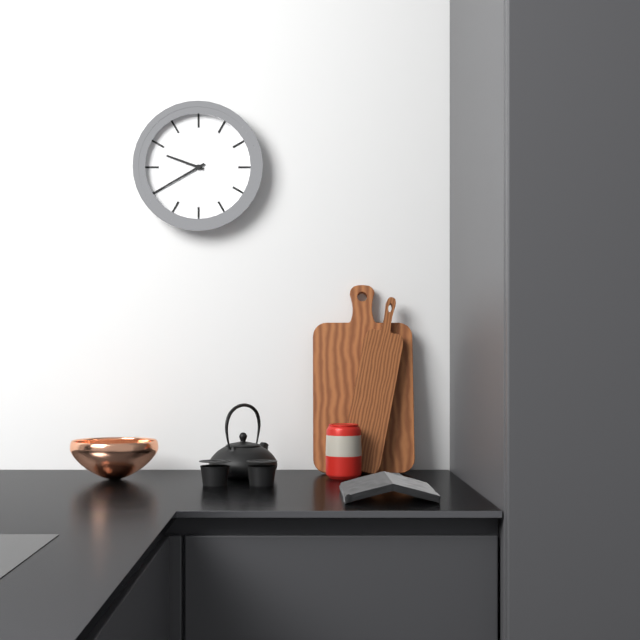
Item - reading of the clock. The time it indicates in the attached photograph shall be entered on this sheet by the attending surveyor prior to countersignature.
9:40
